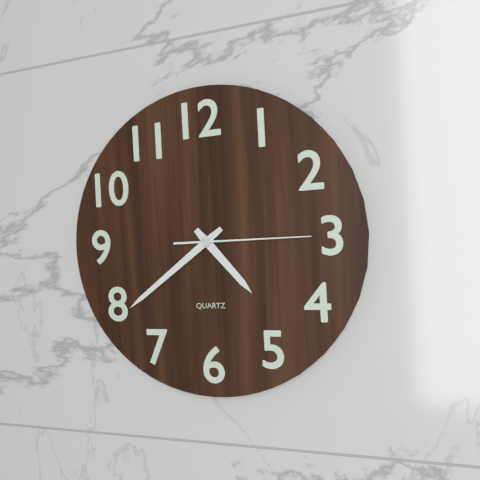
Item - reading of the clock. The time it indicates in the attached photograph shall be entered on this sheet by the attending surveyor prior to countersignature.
4:39:15
